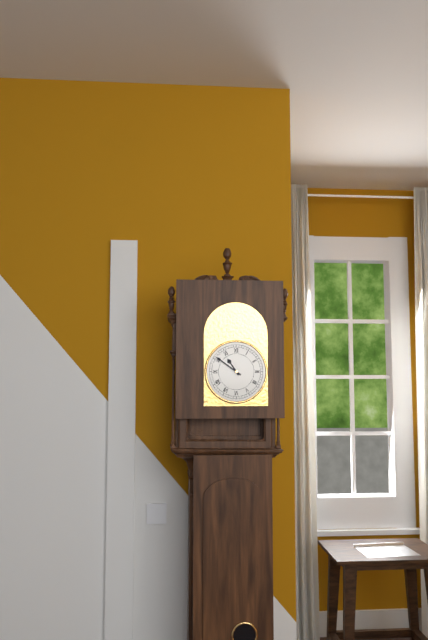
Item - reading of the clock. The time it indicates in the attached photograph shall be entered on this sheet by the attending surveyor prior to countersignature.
10:51
